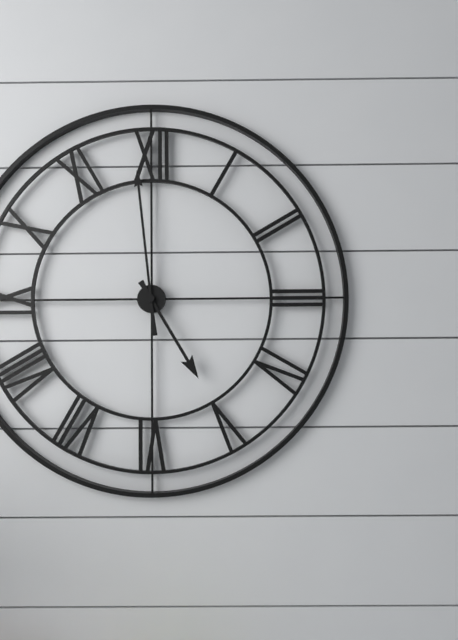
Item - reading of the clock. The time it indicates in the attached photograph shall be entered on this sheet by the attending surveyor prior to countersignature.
4:59
